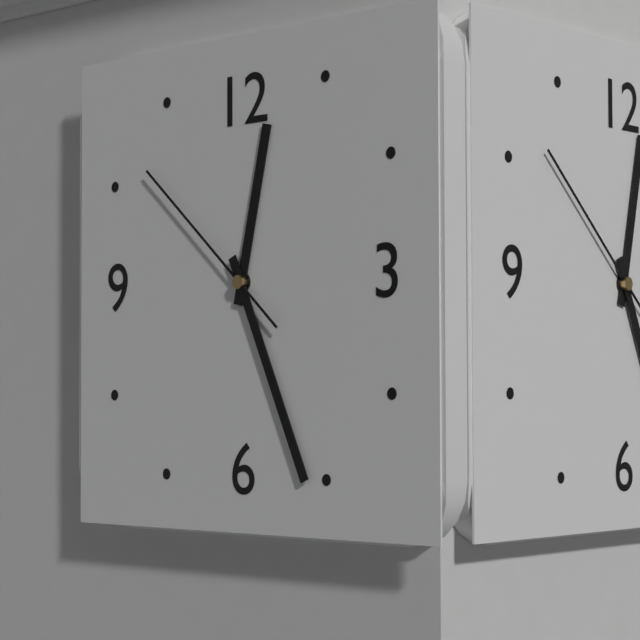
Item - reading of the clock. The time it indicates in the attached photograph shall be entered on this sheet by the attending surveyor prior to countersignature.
12:26:52
